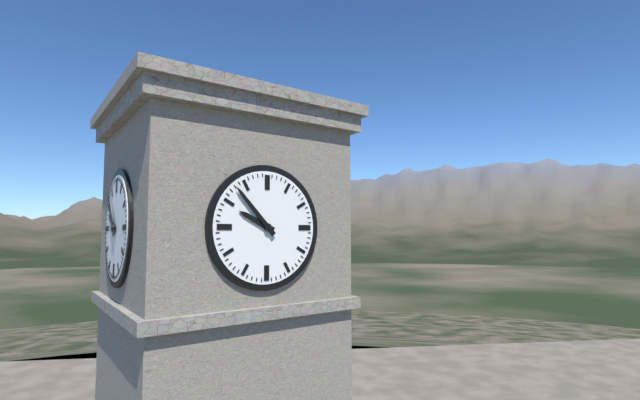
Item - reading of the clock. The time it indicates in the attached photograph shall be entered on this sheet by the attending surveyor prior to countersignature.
9:53
